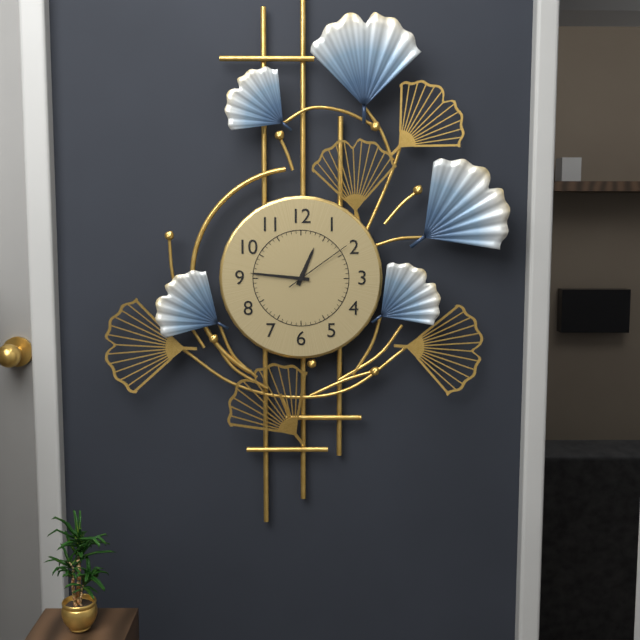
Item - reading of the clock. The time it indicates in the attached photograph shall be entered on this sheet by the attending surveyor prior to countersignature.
12:46:09
